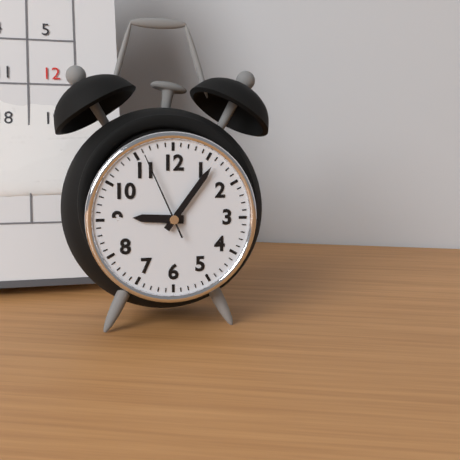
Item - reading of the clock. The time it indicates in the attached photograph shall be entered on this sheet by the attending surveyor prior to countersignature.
9:06:56
